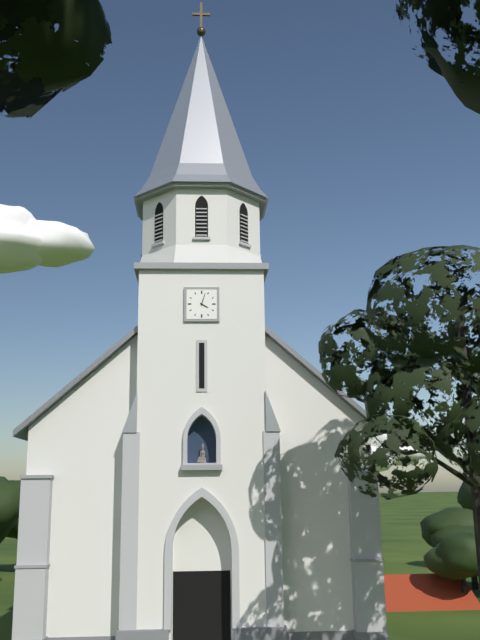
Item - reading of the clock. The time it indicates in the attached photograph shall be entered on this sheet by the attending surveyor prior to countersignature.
4:03
